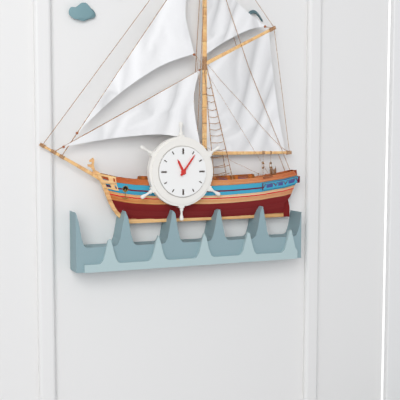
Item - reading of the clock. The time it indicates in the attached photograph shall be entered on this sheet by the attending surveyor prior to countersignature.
11:06
